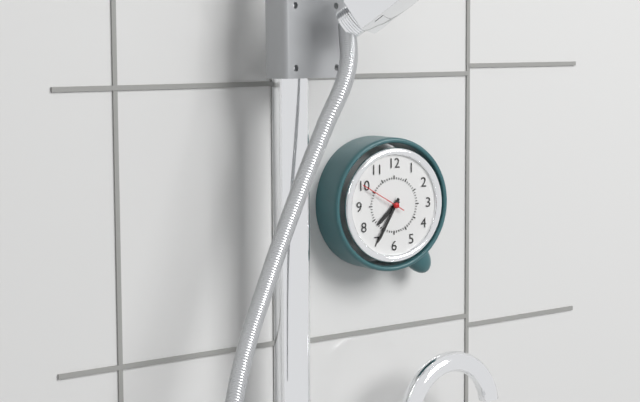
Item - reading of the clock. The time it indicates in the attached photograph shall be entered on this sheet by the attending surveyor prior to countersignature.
7:35
